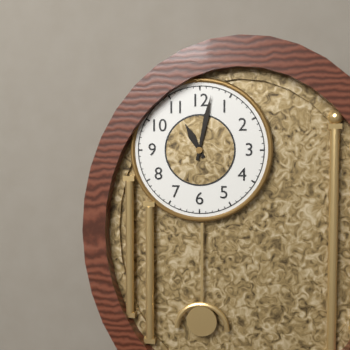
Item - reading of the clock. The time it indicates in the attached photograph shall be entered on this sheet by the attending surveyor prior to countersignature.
11:02
